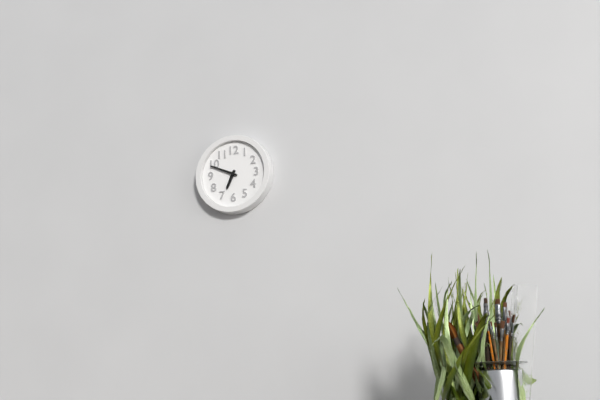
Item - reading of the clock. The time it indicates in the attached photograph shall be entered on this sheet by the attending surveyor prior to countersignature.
6:49
